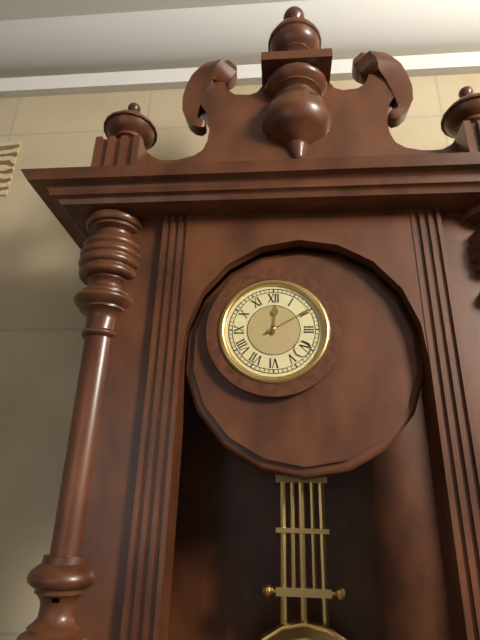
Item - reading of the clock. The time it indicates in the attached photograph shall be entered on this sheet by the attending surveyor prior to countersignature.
12:10
